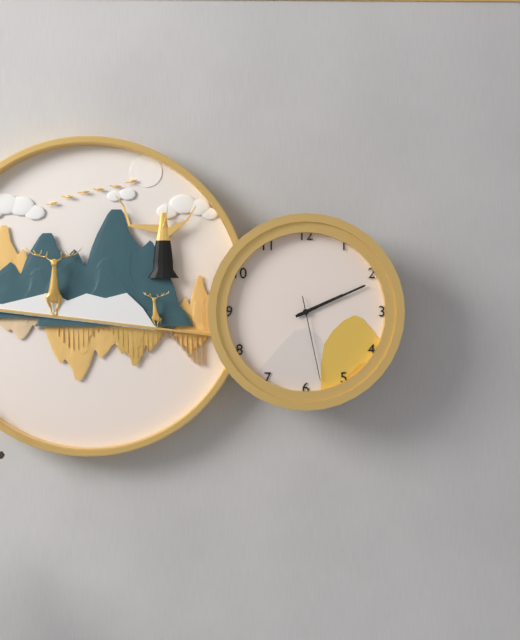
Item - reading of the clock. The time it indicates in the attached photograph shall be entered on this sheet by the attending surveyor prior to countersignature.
2:11:28
